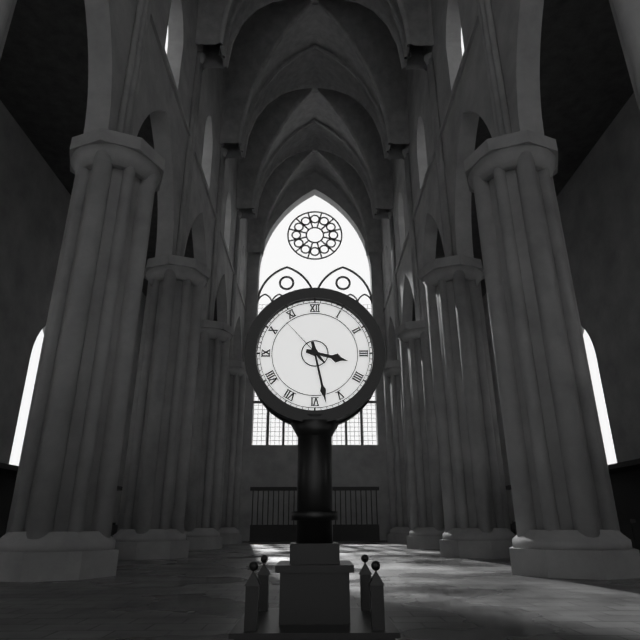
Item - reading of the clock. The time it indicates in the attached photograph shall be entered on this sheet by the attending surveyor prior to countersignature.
3:28:53
